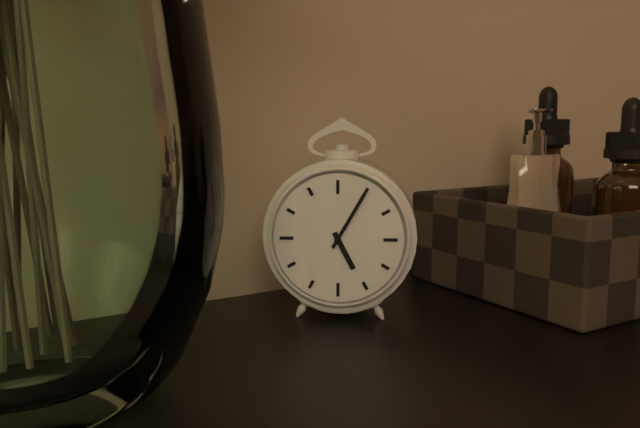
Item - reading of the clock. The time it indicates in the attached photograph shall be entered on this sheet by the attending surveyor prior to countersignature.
5:05
